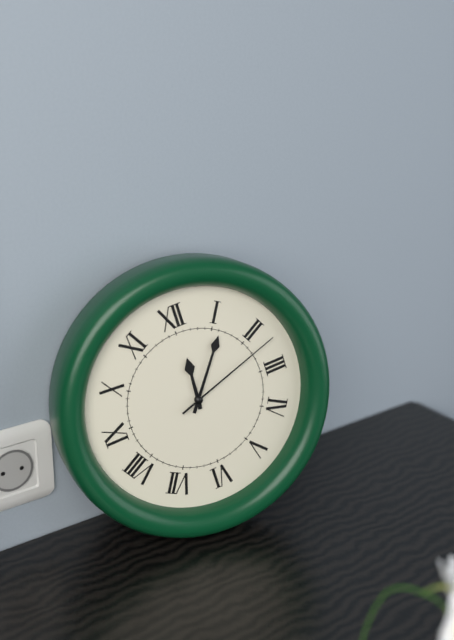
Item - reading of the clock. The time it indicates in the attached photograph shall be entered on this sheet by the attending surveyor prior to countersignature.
12:06:12
